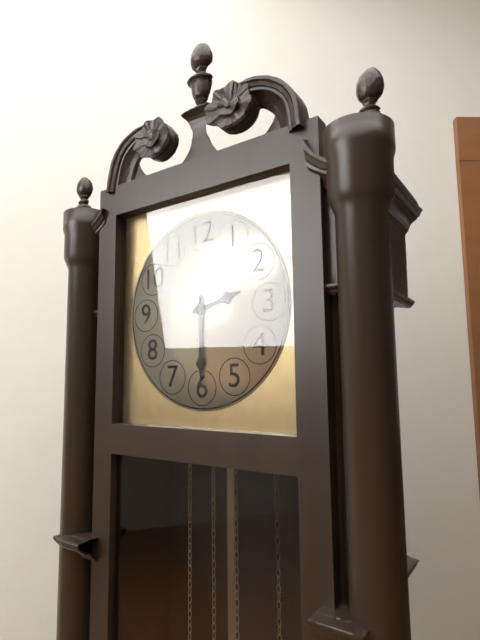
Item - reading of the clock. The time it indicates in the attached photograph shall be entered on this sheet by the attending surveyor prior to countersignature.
2:30
